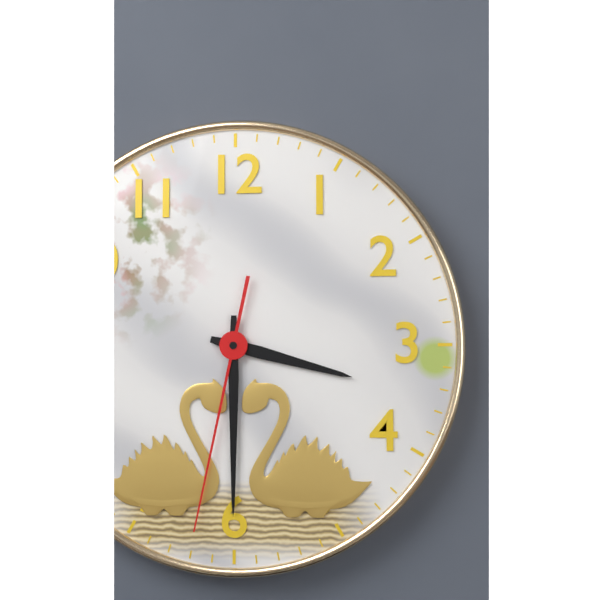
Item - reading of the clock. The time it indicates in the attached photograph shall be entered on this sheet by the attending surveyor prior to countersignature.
3:30:32
